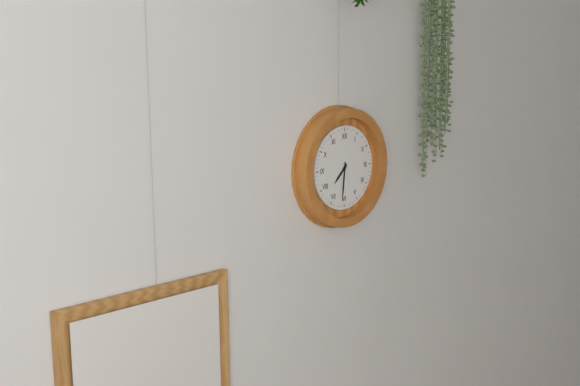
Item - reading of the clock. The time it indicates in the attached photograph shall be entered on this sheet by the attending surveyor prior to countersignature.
7:31
